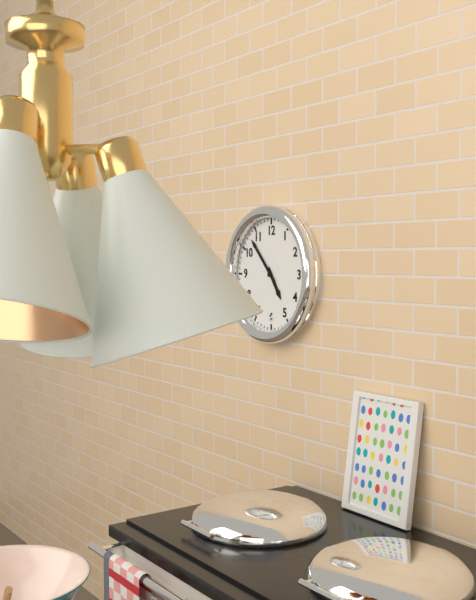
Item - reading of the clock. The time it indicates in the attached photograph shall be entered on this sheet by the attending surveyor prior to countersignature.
4:53
